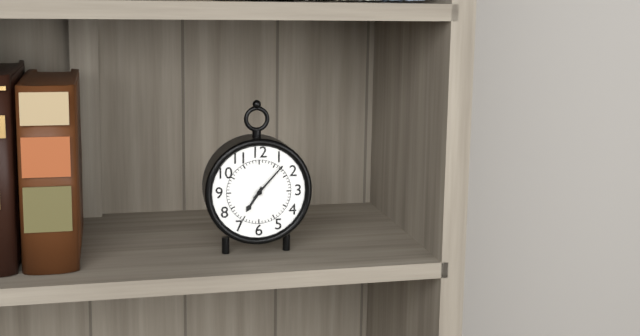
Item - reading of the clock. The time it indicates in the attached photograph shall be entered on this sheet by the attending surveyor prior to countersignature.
7:07
